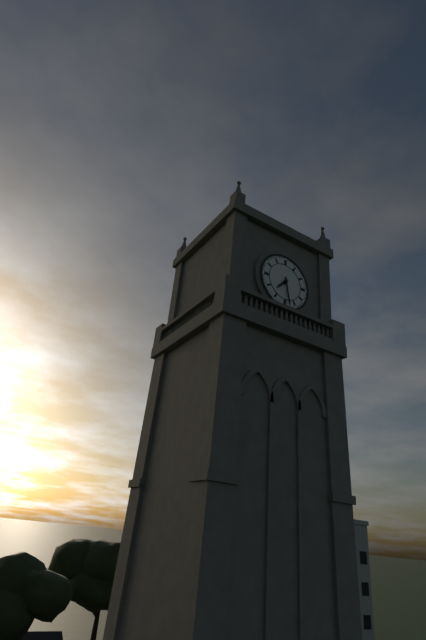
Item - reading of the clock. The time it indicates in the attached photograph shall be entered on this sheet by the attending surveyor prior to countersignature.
7:28
